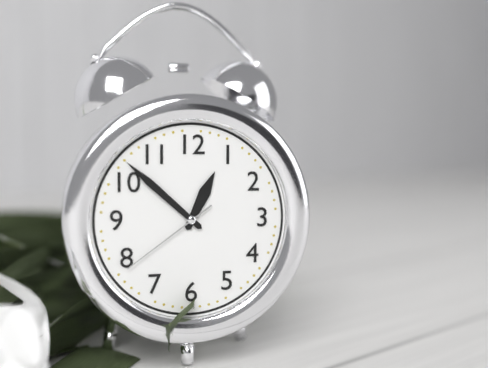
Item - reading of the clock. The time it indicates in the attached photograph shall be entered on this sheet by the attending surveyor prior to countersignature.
12:52:39
